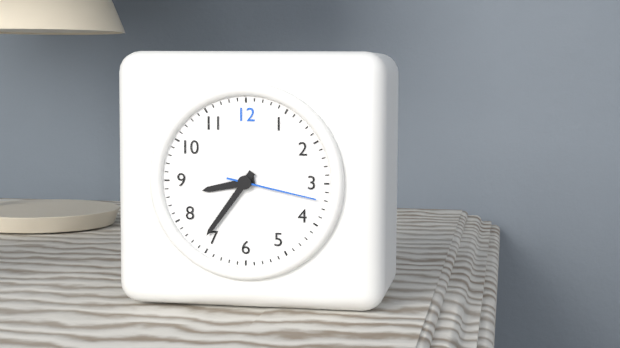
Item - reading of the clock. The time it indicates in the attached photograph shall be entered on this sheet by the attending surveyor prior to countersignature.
8:36:17
